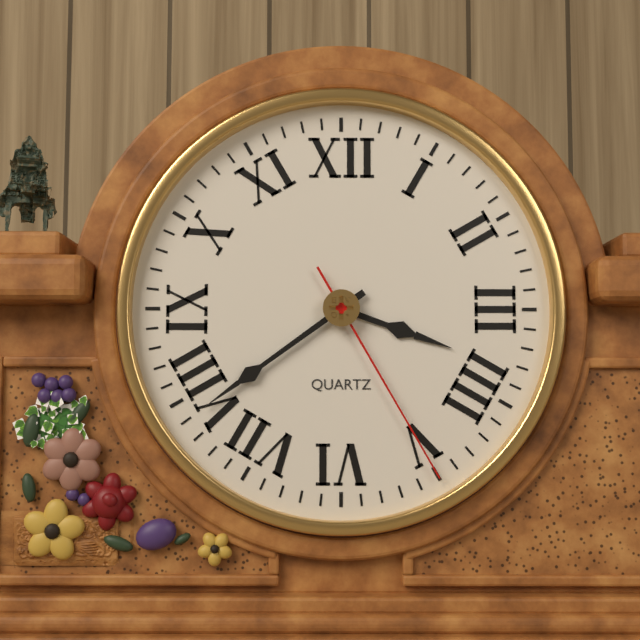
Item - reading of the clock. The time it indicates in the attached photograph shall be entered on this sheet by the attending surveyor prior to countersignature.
3:39:25
